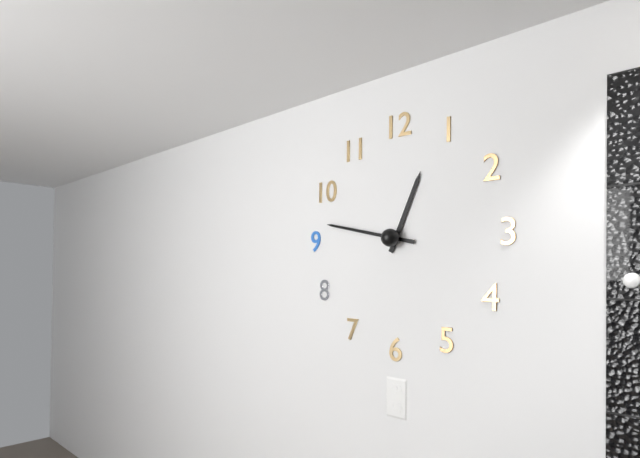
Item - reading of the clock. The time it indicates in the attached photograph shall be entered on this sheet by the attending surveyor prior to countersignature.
12:47
